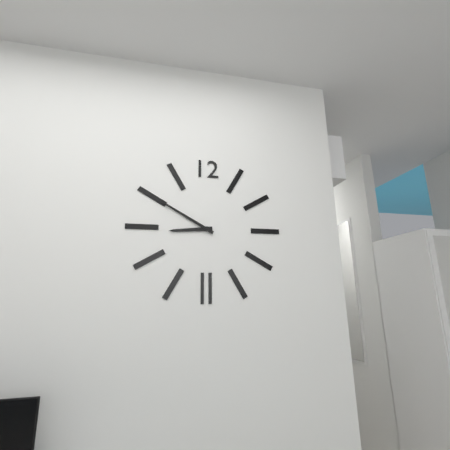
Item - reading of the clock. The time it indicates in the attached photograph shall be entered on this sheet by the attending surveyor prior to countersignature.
8:50
